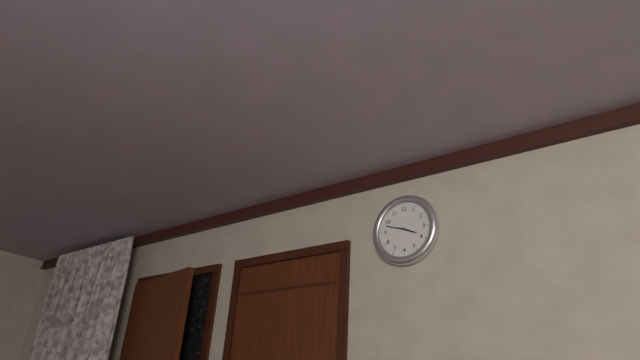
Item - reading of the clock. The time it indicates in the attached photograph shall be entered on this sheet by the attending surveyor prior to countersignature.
3:48
